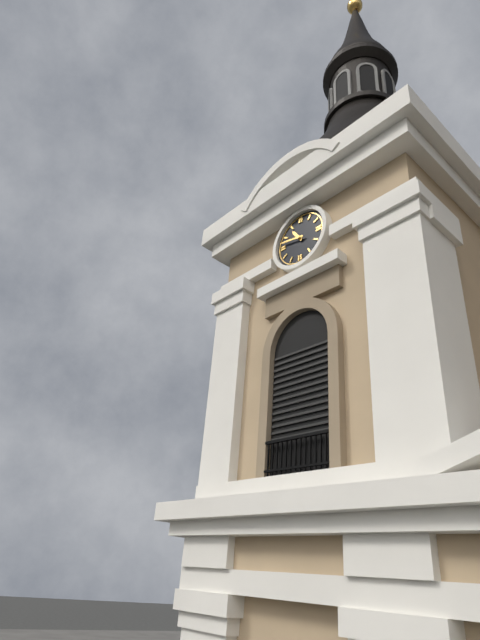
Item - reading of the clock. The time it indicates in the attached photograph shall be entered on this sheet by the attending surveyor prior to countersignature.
10:47
